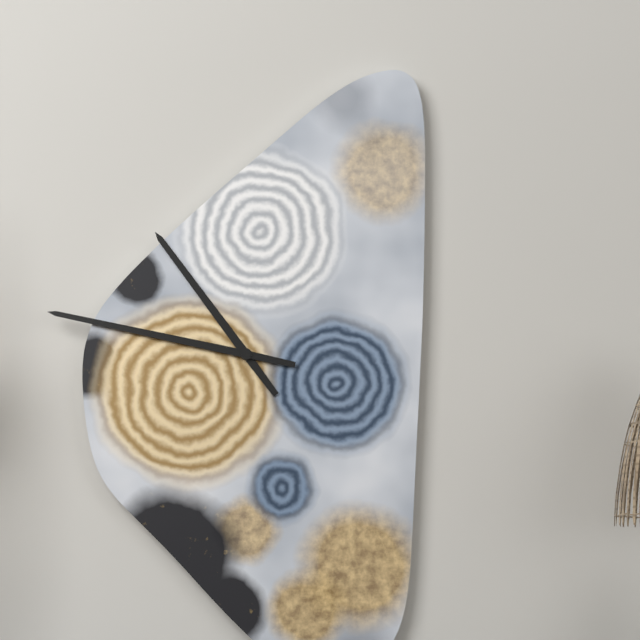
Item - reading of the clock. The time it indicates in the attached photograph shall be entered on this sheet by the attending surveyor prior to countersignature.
10:47
